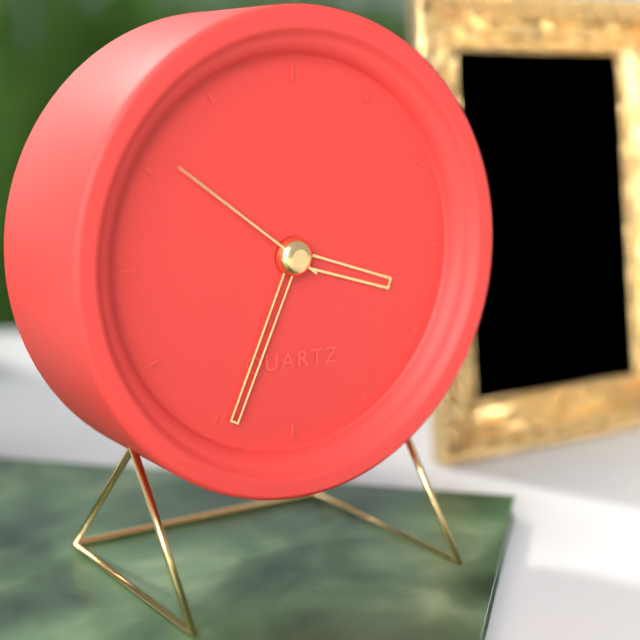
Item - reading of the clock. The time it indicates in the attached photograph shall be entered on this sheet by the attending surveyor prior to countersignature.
3:34:51
